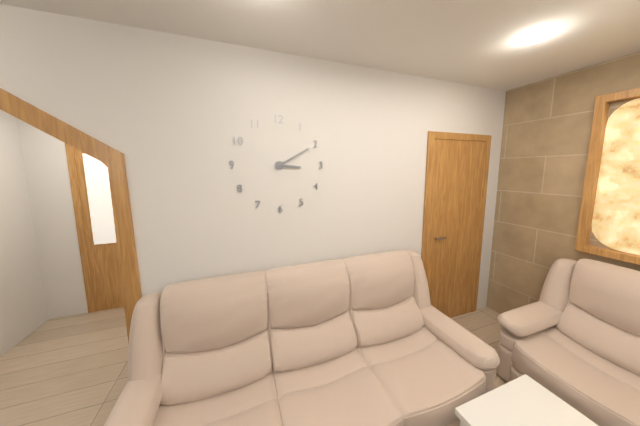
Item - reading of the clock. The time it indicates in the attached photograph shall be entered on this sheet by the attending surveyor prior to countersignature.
3:10
